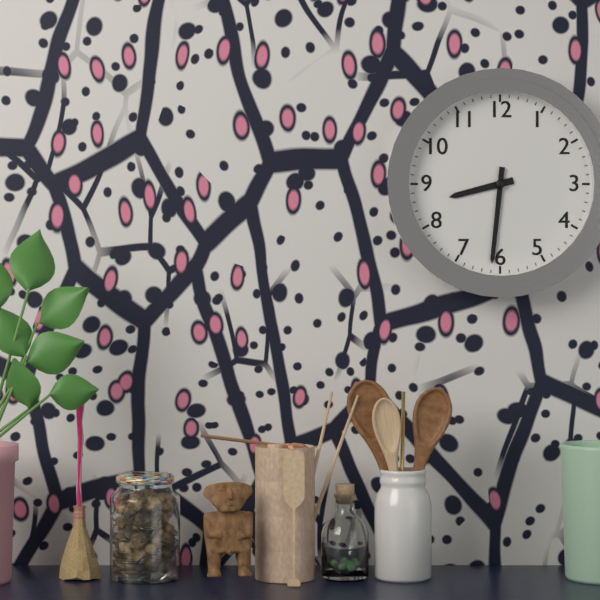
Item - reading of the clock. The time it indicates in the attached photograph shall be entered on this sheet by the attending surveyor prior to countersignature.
8:31
